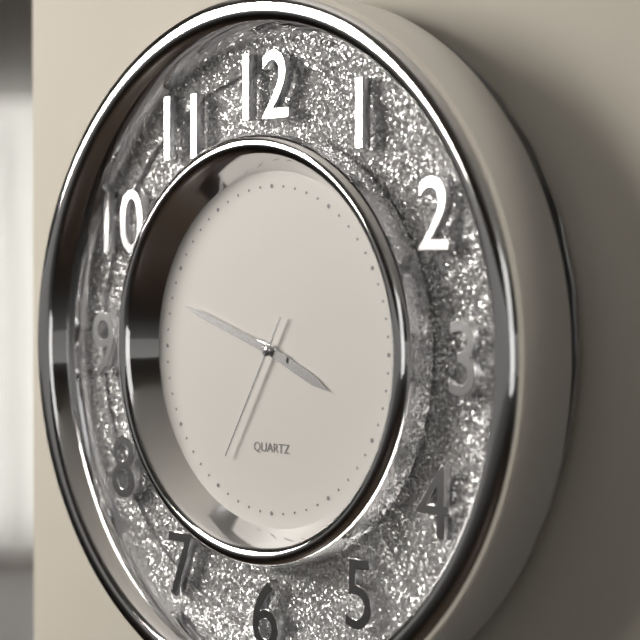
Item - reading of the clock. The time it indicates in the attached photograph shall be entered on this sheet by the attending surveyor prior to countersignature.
3:48:35
